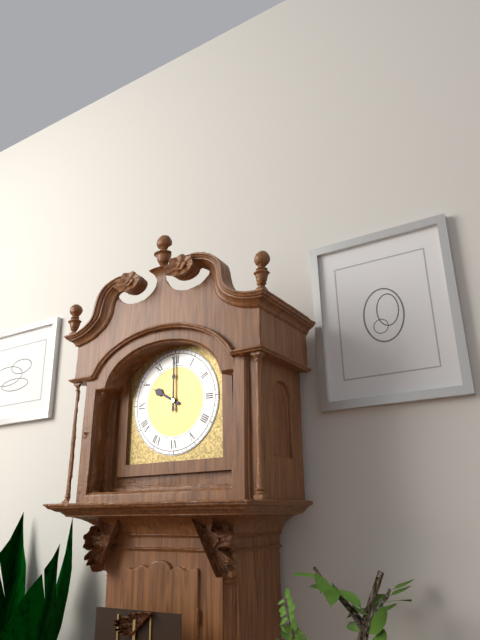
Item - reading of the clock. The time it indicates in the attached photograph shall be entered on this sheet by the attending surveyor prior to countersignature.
10:00
